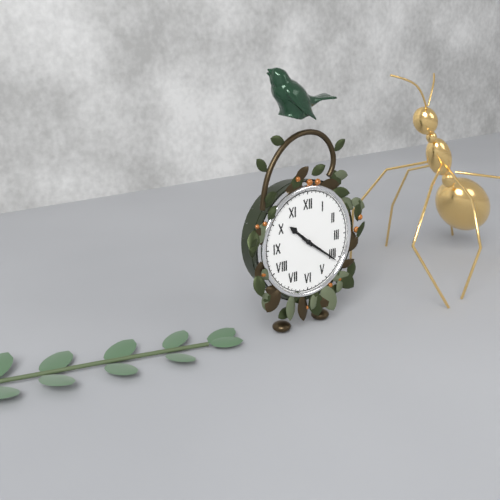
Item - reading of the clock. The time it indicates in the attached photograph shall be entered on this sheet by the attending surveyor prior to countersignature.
10:21
